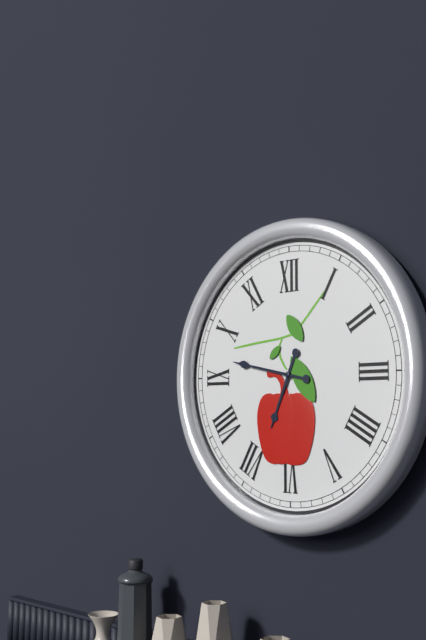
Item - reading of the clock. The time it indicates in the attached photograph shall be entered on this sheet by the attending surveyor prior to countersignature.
6:47
